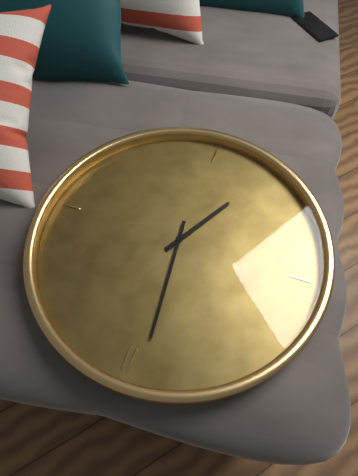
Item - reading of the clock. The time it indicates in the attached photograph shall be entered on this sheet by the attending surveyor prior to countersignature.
6:59
